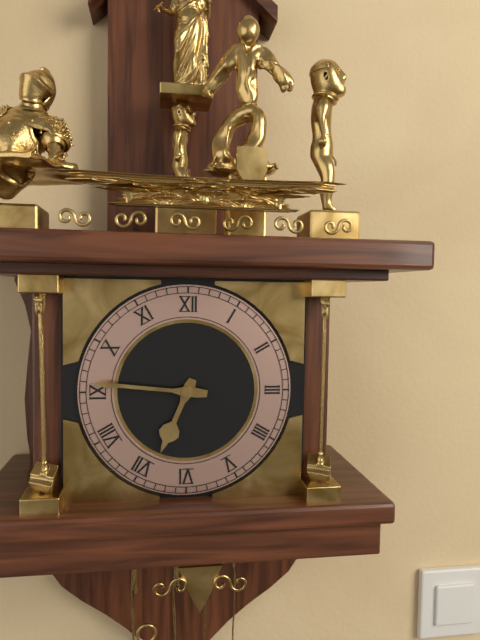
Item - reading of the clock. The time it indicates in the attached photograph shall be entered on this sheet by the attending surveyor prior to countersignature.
6:46
